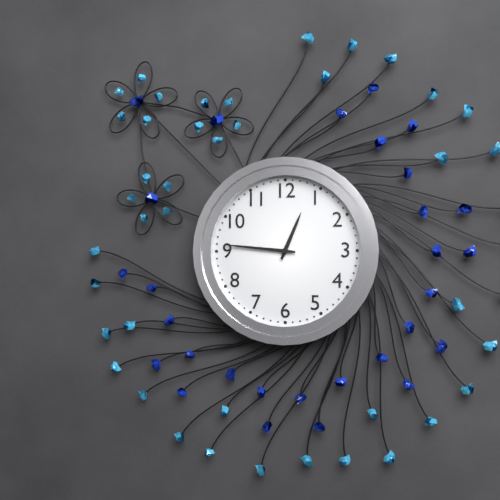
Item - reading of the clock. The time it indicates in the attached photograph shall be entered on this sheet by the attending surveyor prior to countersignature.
12:46
